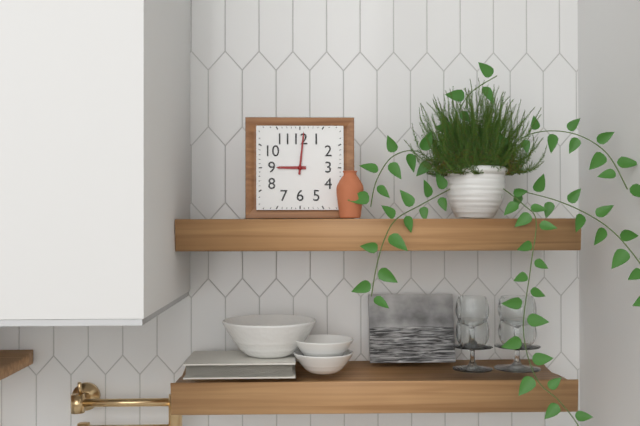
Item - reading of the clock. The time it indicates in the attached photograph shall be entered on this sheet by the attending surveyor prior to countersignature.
9:01
